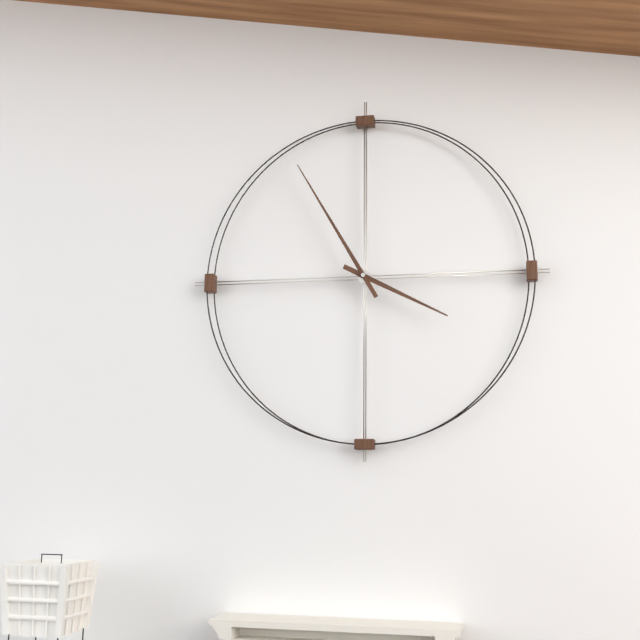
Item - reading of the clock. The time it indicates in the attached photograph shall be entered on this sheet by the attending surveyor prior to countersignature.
3:55
